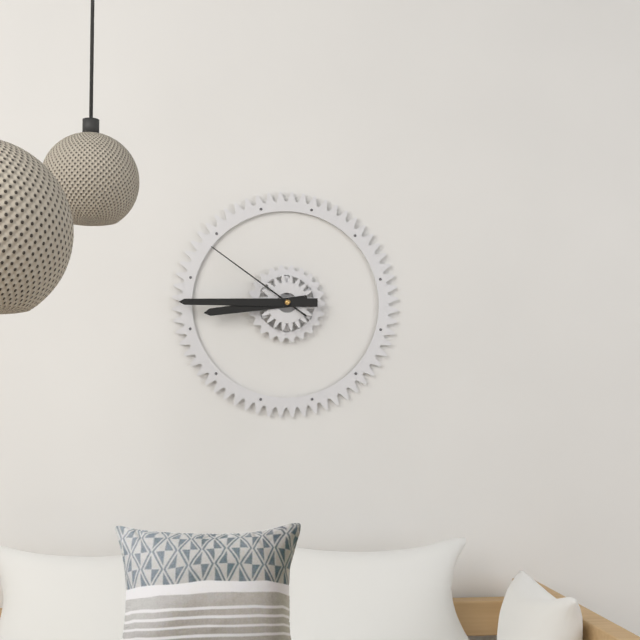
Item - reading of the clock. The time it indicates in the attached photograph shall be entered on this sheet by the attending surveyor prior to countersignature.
8:45:51
